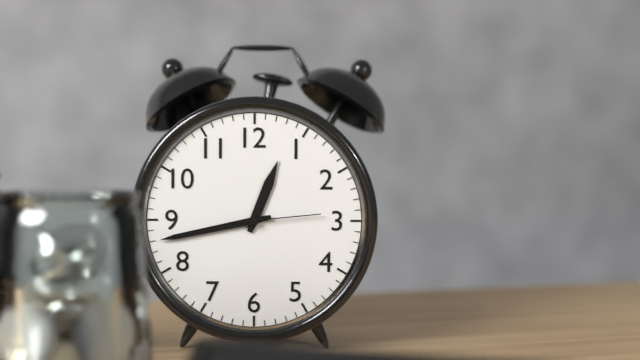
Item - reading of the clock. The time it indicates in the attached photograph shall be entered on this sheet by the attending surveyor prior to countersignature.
12:43:14
